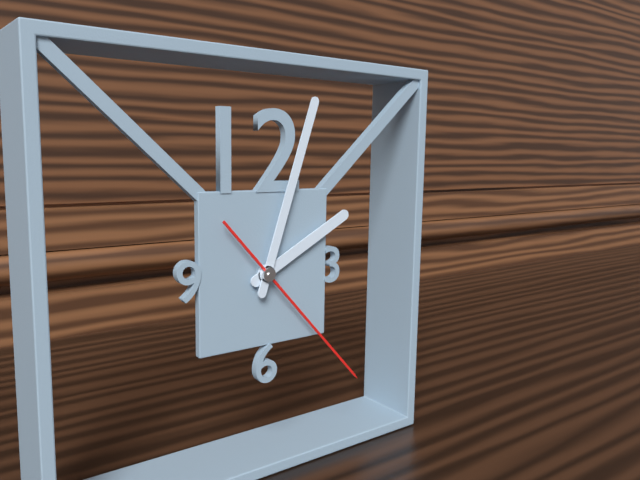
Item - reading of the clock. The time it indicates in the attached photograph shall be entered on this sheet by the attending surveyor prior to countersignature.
2:03:23
